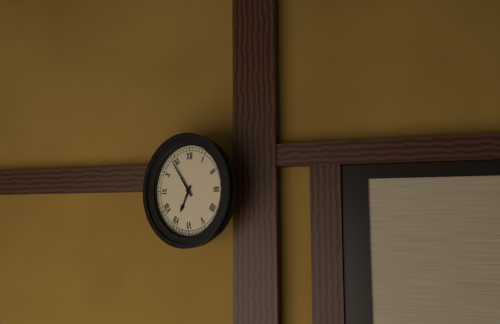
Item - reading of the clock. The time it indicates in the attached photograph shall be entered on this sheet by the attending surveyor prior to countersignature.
6:54
